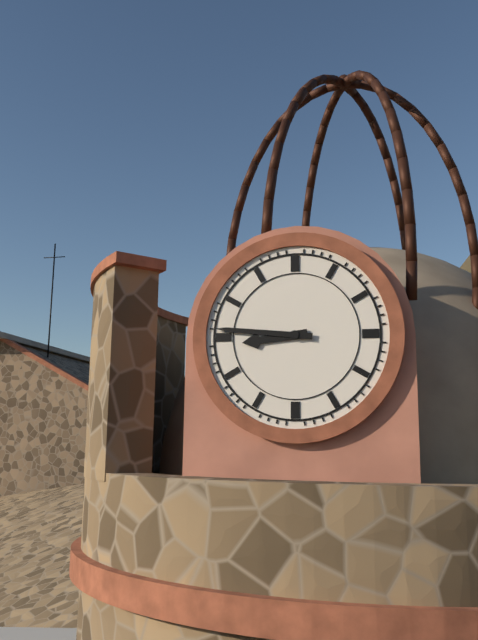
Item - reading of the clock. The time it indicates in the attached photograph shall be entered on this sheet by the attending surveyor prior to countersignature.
8:46
